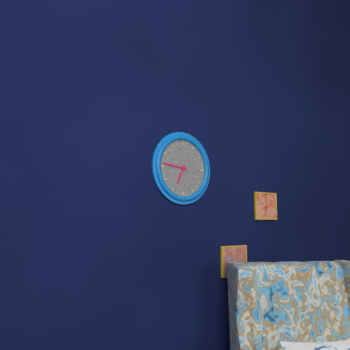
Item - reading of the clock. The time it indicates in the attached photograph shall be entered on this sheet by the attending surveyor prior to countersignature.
6:46
